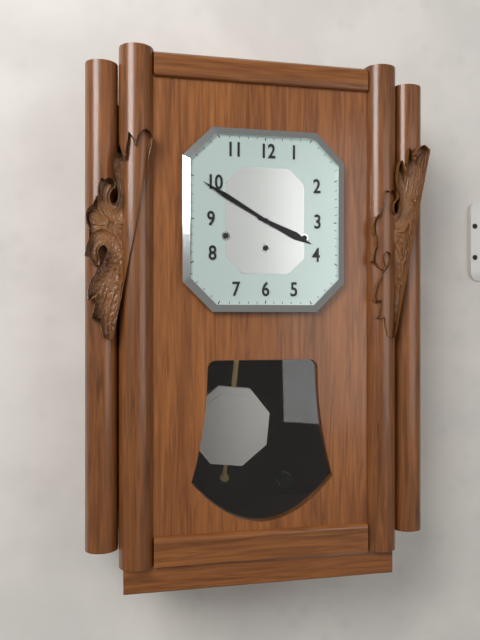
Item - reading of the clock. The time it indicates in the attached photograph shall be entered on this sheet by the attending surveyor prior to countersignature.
3:50
